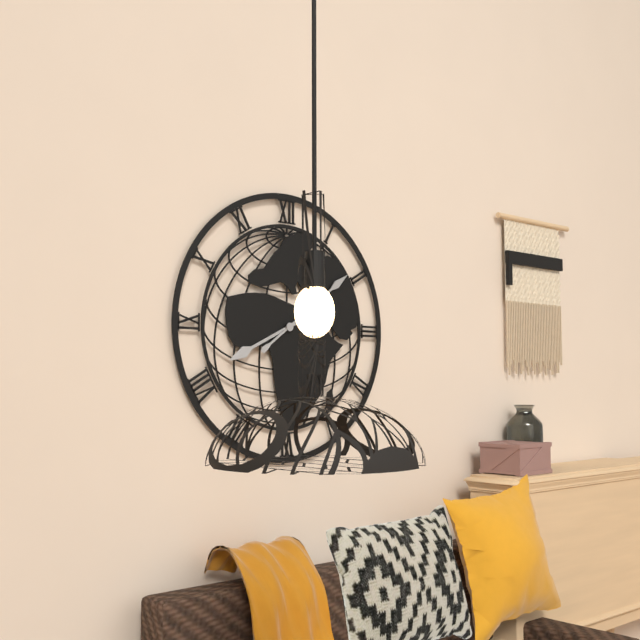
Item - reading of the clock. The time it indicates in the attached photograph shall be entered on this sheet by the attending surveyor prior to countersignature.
8:09
